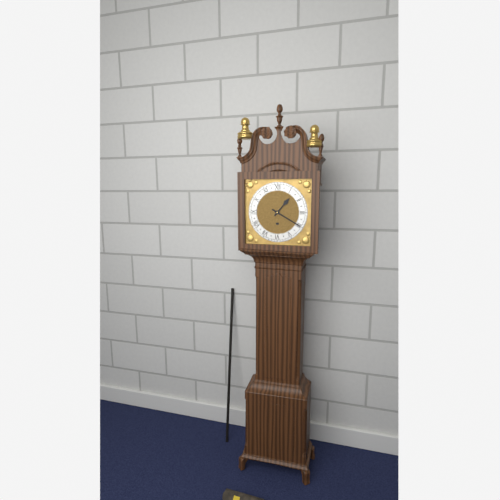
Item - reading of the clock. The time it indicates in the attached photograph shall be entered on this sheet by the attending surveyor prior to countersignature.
1:20
